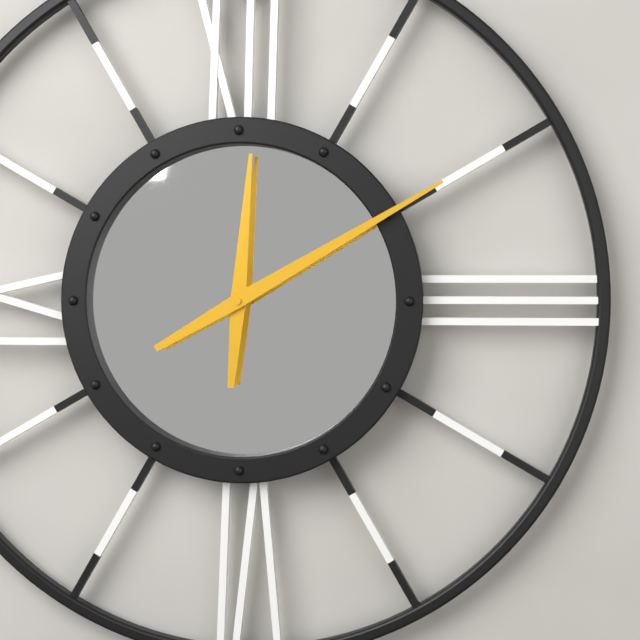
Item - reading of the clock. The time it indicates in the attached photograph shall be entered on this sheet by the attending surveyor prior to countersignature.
12:10
